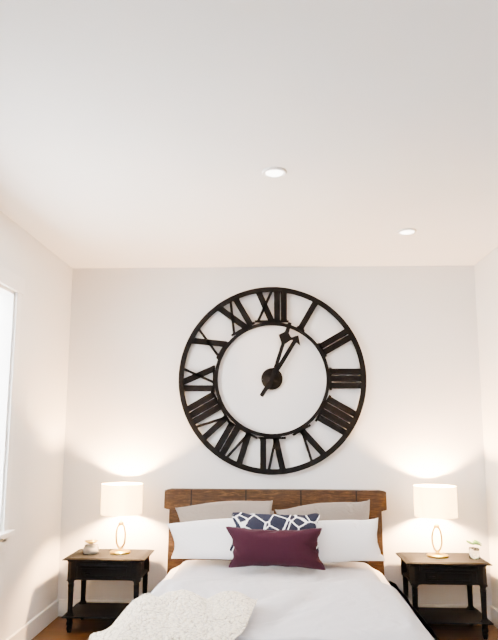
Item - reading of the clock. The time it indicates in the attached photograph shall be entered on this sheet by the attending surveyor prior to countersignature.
1:03
